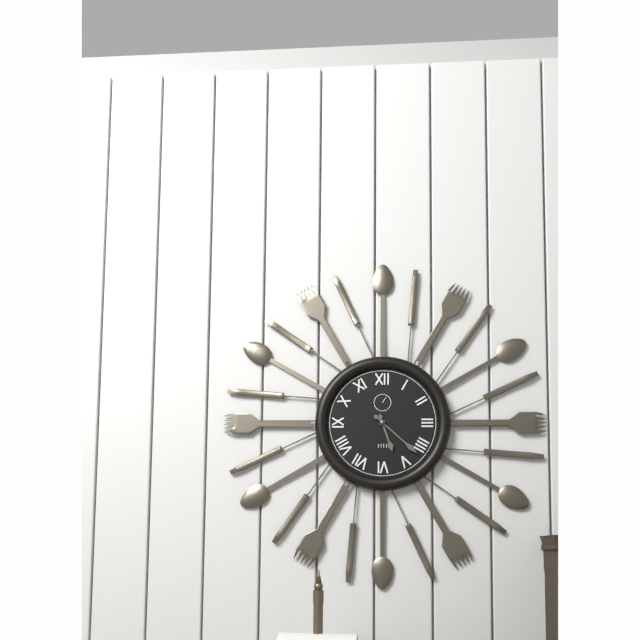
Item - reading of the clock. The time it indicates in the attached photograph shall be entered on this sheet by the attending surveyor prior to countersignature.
5:22
